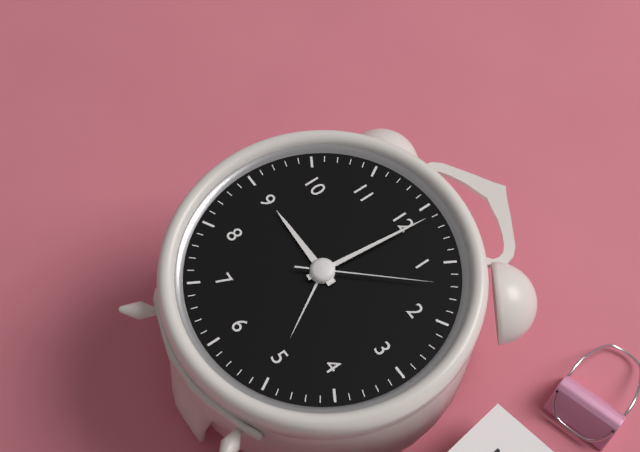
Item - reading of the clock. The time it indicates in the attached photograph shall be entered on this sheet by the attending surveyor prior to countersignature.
9:01:07
